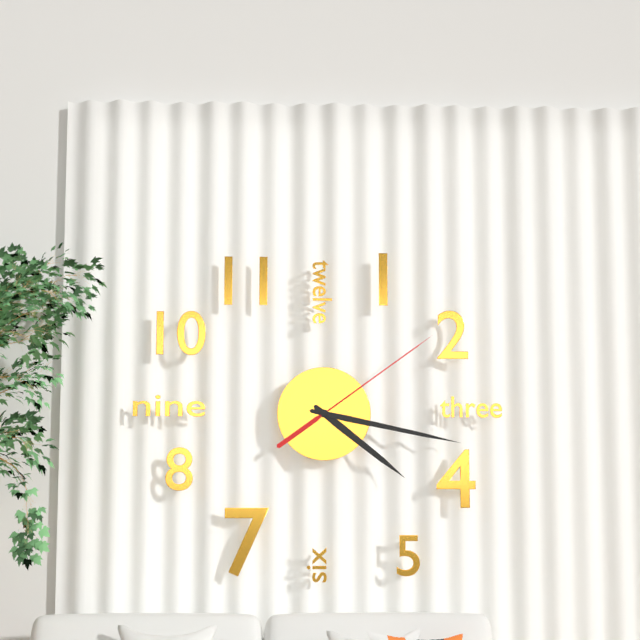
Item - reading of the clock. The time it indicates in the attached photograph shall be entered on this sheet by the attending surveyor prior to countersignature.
4:17:09
